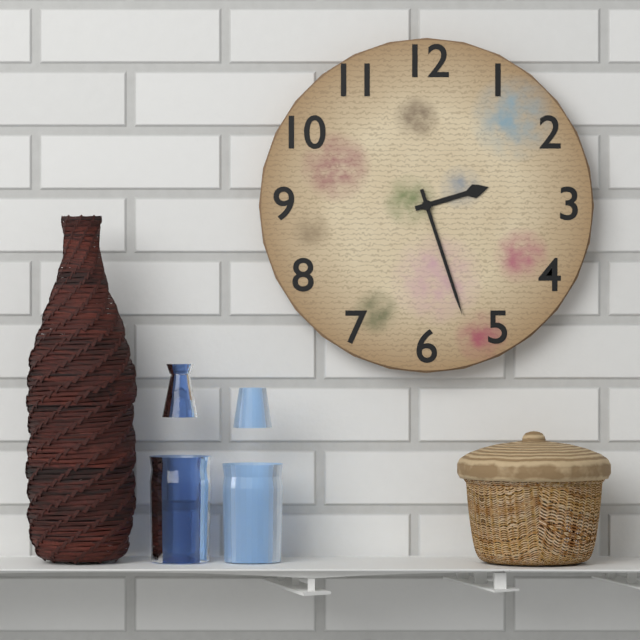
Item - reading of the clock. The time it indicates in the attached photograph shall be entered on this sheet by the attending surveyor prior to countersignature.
2:27
